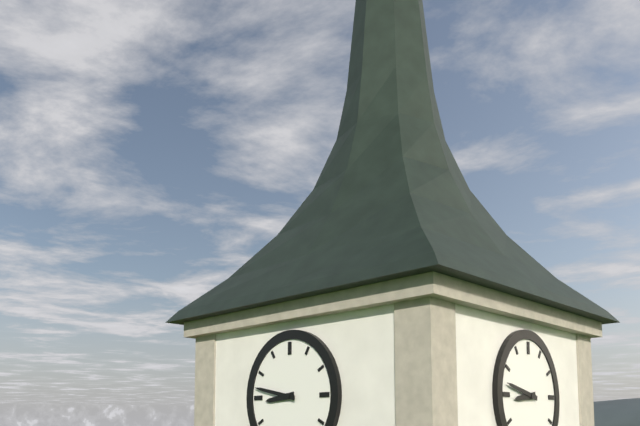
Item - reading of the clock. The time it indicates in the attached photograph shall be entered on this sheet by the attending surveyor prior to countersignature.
8:47
